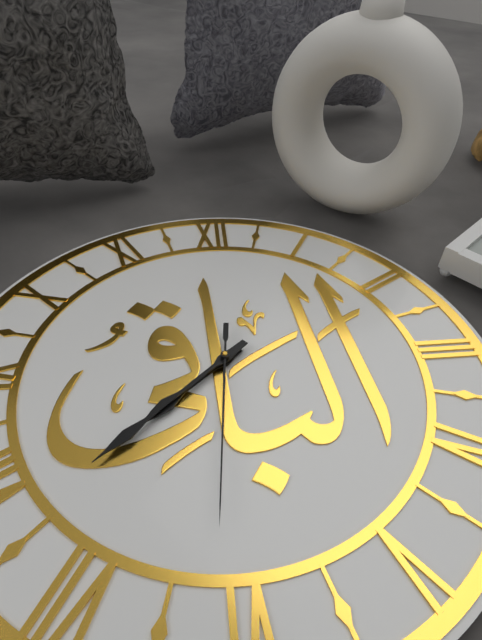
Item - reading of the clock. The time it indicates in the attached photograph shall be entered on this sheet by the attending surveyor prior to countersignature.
7:38:31
